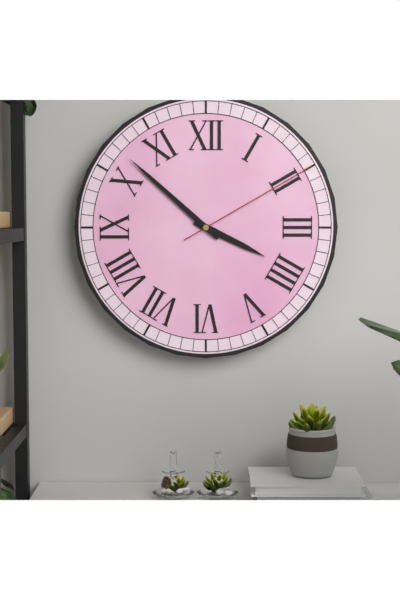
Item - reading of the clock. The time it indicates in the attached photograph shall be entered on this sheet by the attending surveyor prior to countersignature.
3:52:10
